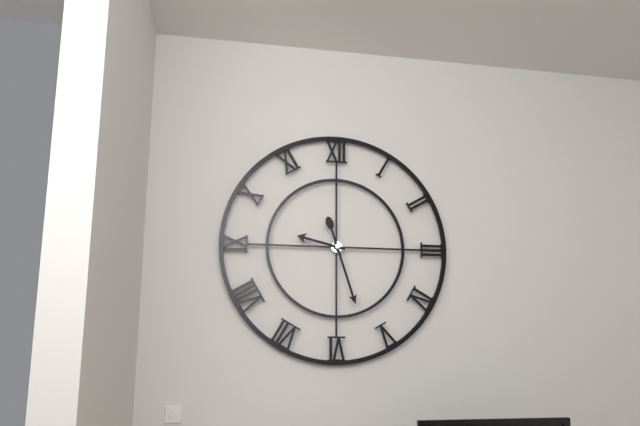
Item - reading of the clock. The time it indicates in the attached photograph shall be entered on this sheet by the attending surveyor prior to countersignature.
9:27
